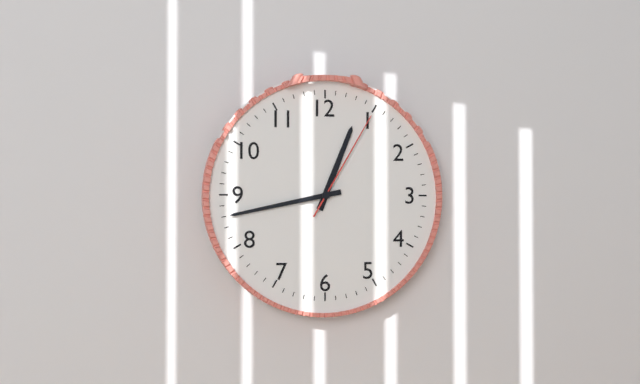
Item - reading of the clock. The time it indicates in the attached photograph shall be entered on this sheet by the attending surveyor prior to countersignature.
12:43:05
